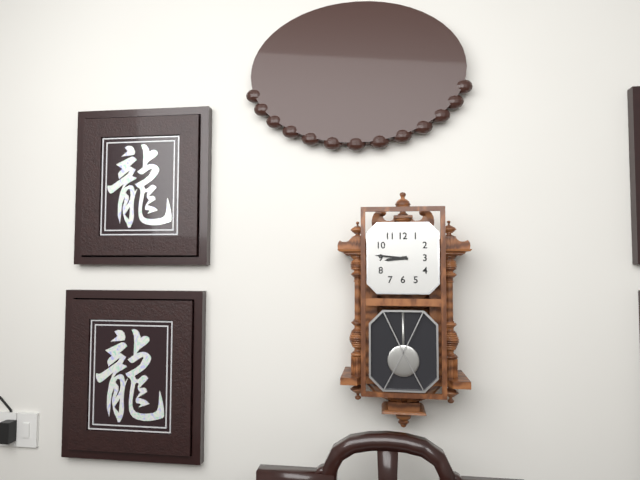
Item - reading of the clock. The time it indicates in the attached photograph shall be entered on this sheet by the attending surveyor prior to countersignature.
8:46
